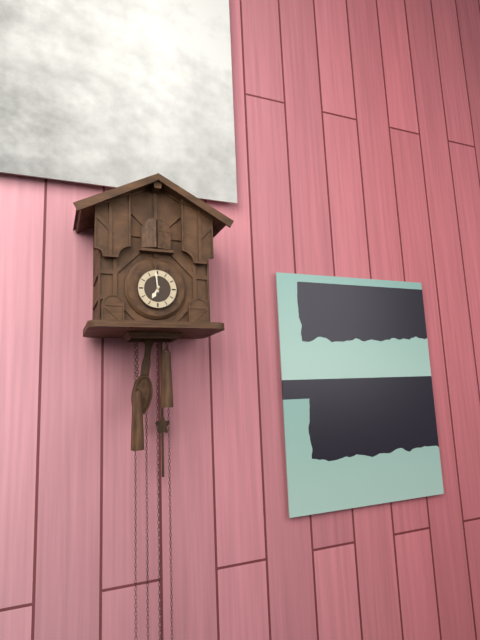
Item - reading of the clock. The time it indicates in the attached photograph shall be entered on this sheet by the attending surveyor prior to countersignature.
6:59
